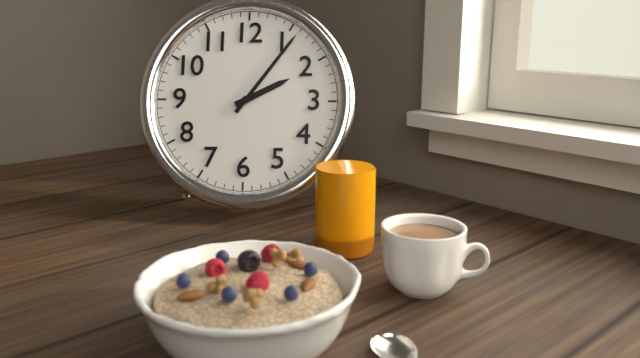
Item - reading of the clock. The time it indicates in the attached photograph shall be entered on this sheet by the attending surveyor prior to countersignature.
2:06
